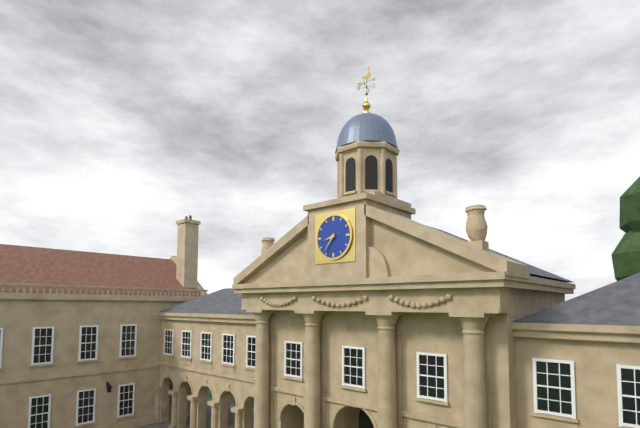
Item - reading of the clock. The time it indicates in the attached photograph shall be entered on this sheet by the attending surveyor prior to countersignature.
8:36
